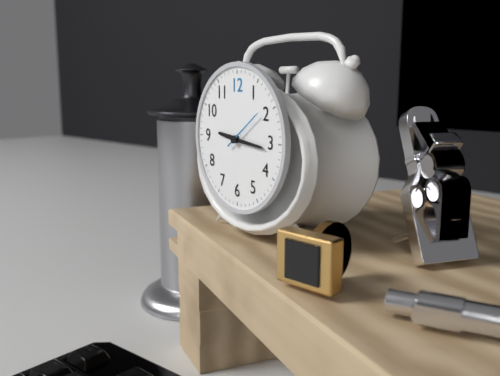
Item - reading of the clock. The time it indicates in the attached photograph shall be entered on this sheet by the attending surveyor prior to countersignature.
9:16
